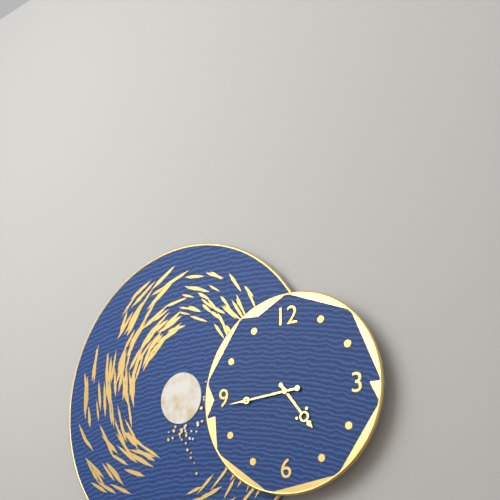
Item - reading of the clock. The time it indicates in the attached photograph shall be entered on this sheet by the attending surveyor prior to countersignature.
4:44
